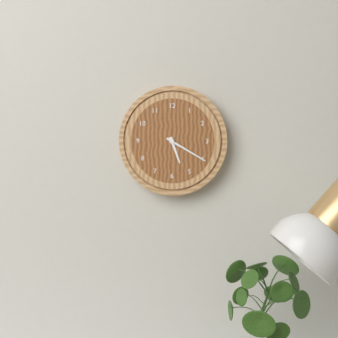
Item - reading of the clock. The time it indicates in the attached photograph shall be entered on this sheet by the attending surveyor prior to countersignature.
5:20
